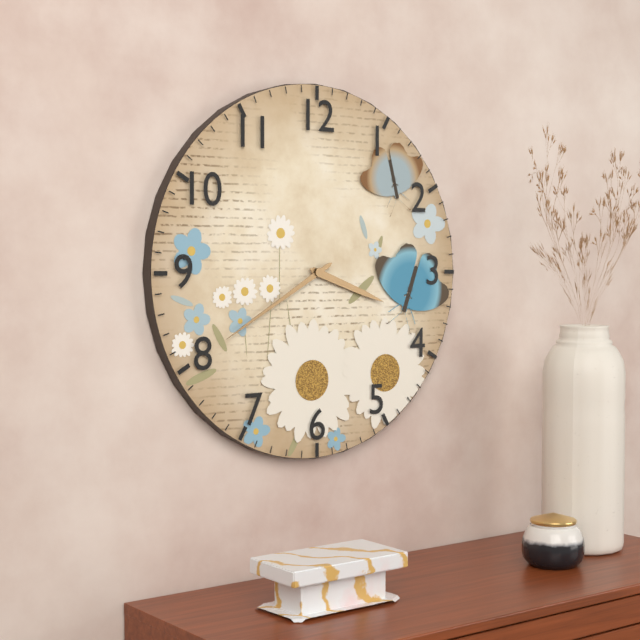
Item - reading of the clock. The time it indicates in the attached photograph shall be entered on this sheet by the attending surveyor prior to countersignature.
3:40
